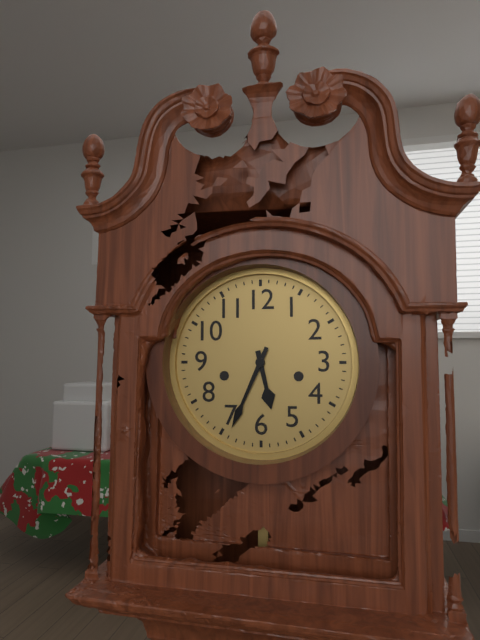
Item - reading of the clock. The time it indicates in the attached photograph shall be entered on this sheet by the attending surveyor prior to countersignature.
5:34
